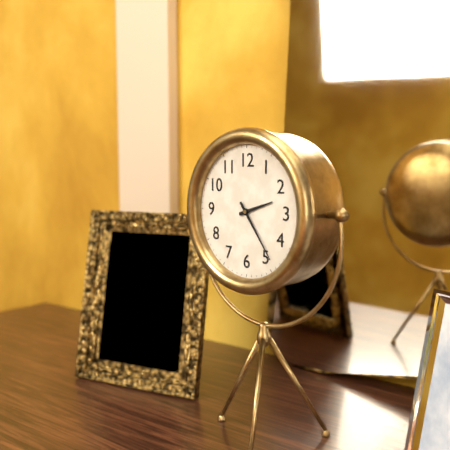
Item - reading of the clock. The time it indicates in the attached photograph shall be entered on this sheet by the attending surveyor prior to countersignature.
2:24
